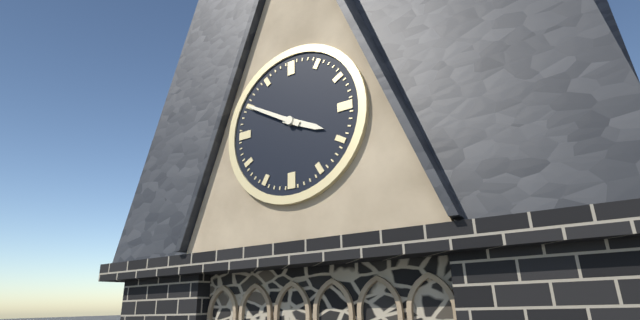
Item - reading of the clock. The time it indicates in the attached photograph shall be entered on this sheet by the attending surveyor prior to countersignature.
3:50
